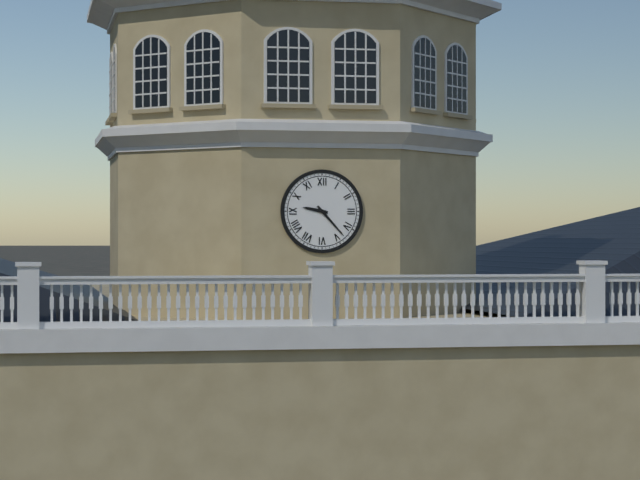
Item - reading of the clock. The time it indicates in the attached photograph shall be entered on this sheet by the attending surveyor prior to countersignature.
9:23
